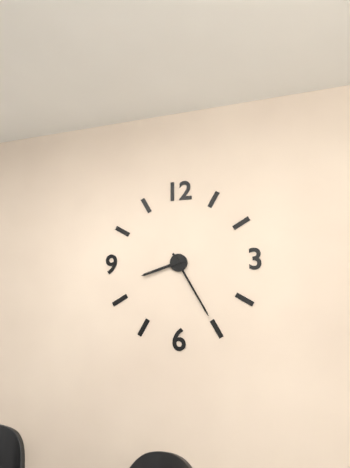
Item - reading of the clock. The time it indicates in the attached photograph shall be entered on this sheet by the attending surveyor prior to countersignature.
8:25
